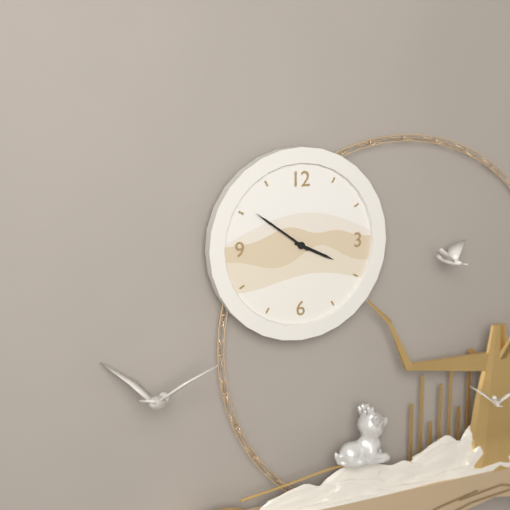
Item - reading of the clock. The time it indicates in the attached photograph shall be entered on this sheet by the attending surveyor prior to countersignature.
3:51
